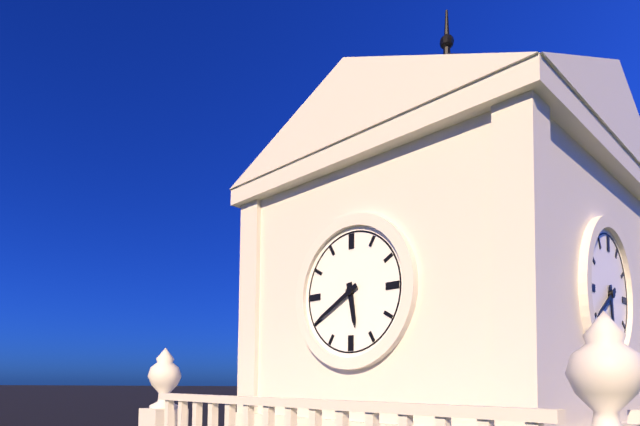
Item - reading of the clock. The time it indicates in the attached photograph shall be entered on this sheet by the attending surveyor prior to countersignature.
5:40
